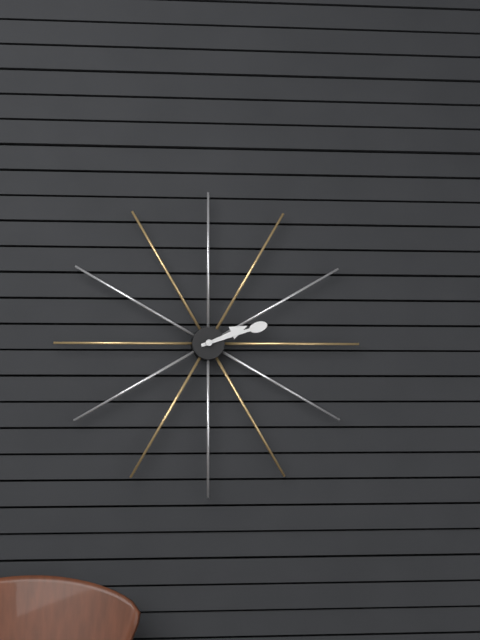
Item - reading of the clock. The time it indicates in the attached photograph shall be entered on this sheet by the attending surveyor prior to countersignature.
2:12
